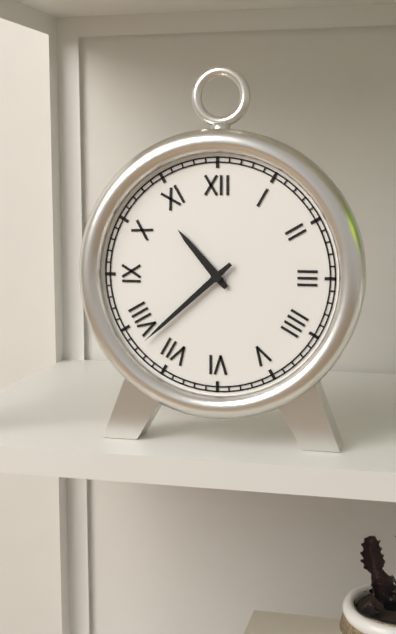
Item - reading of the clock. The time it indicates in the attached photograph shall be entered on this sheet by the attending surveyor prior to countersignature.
10:38
